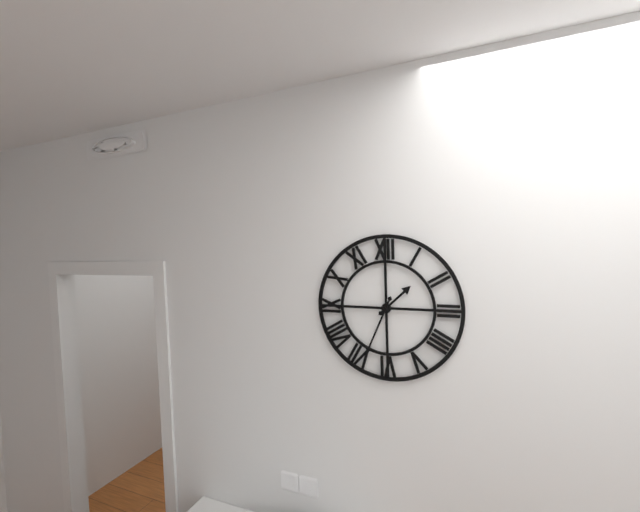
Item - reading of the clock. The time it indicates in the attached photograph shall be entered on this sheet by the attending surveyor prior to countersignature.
1:34
